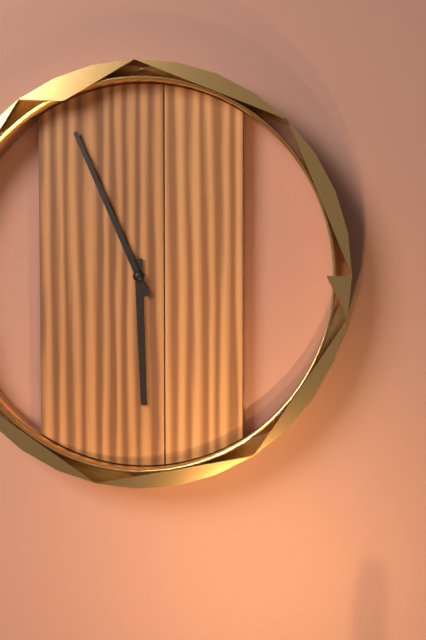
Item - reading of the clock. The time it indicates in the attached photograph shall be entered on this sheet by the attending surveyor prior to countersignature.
5:56
